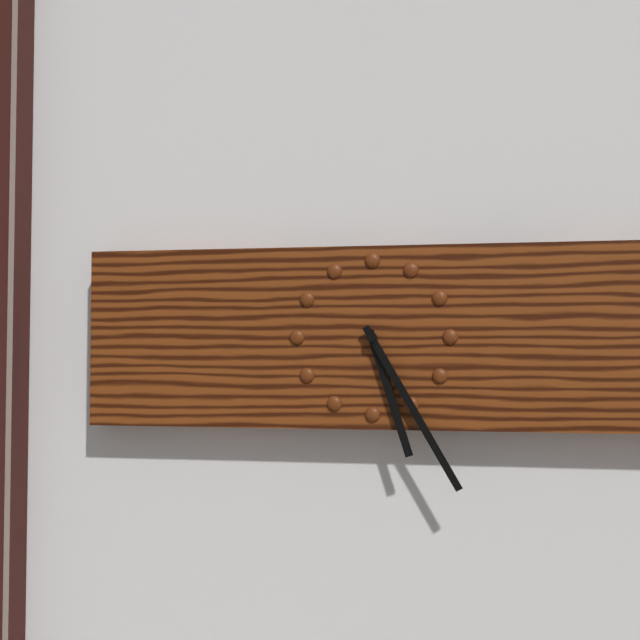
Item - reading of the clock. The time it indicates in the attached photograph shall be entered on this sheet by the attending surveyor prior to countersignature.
5:25
